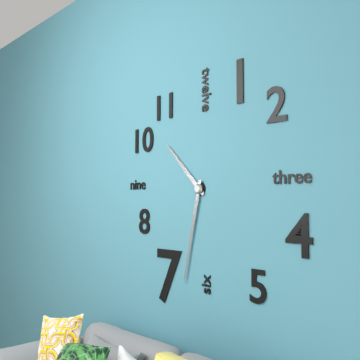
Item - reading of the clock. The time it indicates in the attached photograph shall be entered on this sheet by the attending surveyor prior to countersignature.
10:32
